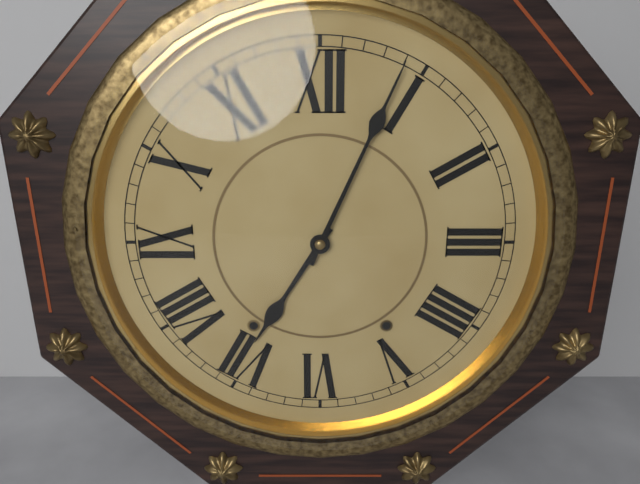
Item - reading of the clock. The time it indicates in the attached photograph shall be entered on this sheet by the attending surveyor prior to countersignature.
7:04
